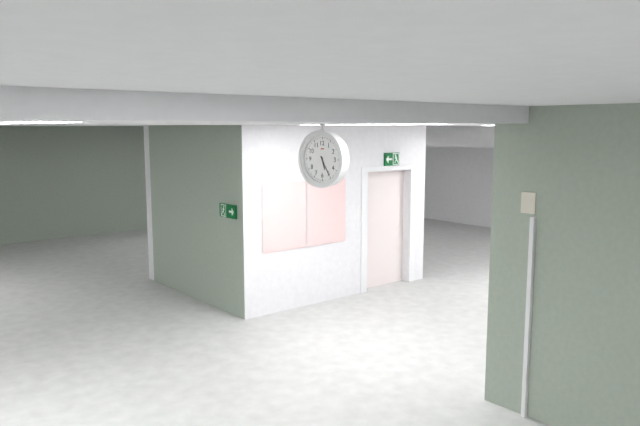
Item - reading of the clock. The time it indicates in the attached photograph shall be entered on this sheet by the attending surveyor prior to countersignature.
5:25
